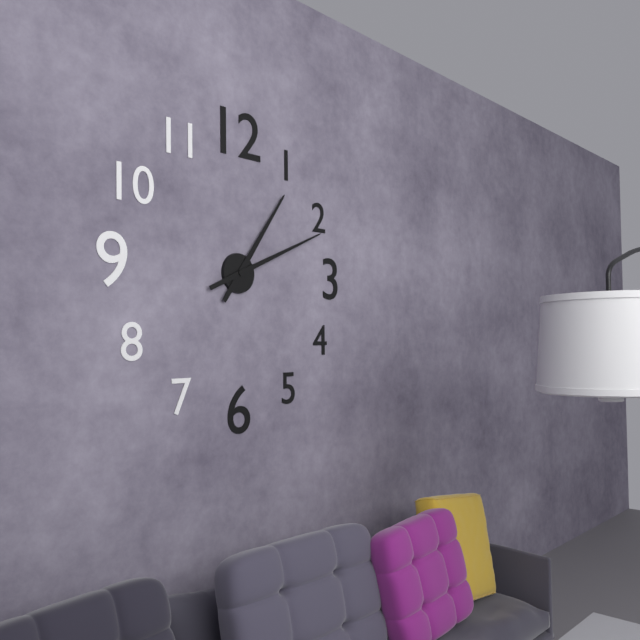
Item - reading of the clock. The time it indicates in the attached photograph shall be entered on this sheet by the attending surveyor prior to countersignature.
1:11
